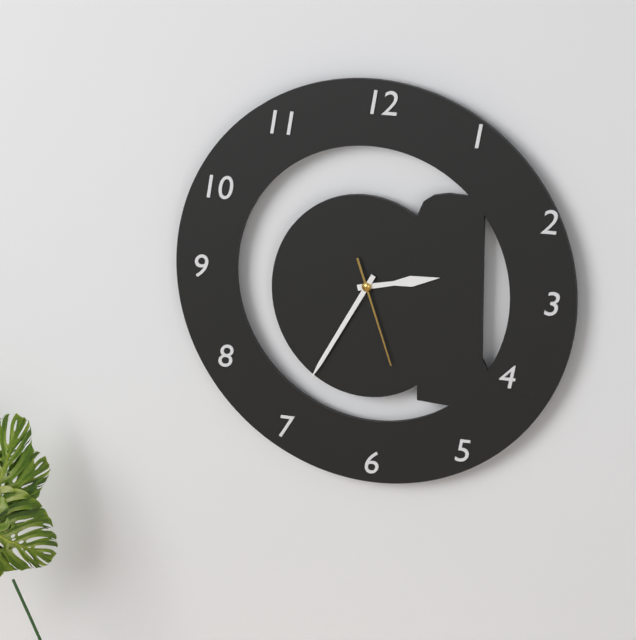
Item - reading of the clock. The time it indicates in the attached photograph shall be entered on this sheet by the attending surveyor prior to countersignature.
2:35:27
